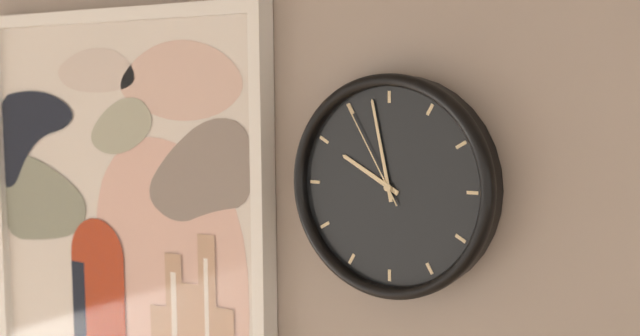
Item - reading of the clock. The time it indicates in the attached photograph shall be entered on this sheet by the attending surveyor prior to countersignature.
9:58:55
